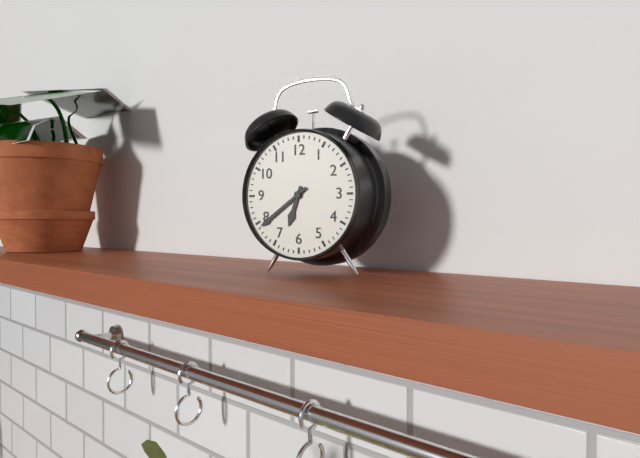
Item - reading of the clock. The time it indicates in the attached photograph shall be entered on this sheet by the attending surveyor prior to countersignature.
6:39
